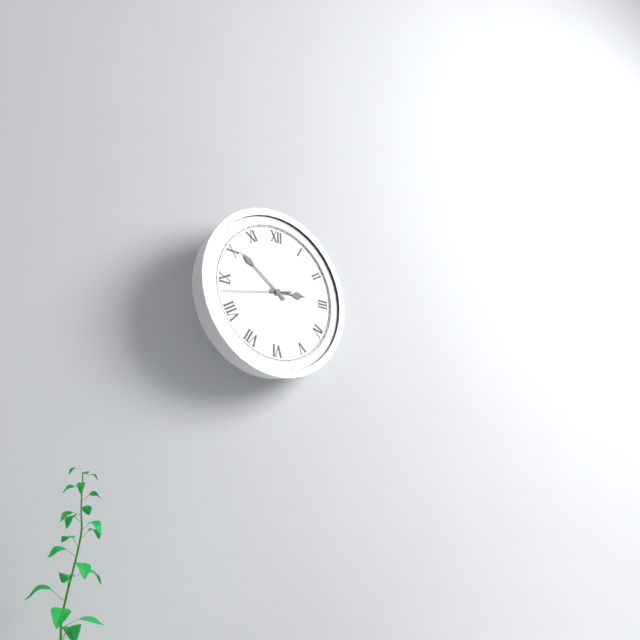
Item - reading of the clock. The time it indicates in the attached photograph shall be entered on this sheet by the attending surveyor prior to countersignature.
2:51:43
